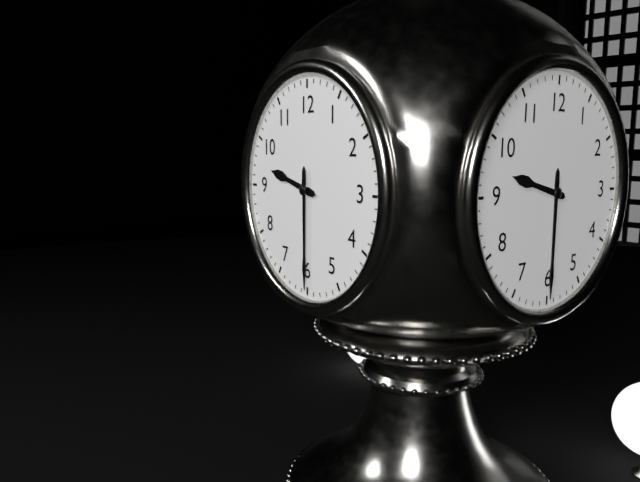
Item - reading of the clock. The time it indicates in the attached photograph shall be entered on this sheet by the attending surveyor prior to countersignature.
9:30
